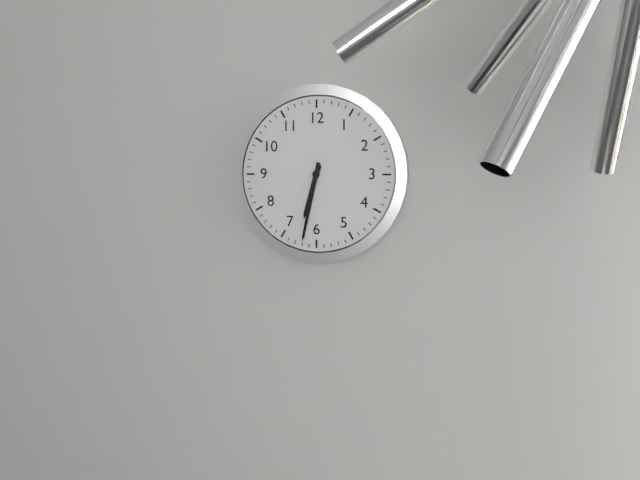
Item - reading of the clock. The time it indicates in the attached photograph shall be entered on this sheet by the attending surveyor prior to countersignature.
6:32
